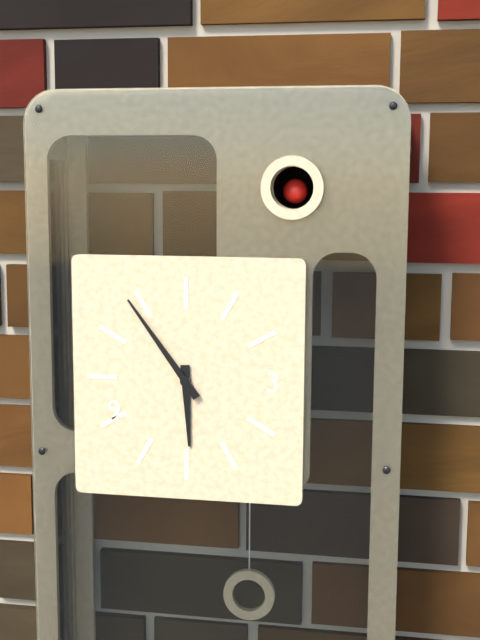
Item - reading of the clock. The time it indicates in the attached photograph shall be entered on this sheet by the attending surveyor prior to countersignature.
5:54
